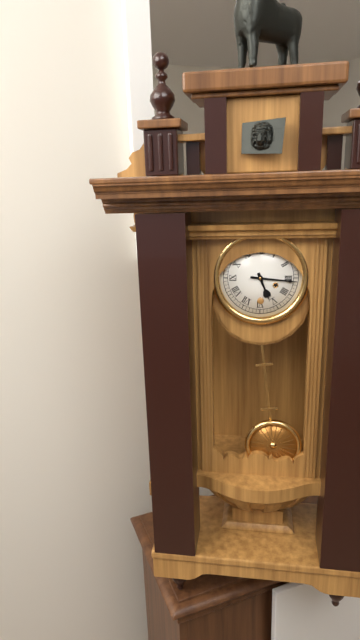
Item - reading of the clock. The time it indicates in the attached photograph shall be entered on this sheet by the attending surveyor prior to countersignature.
5:16
